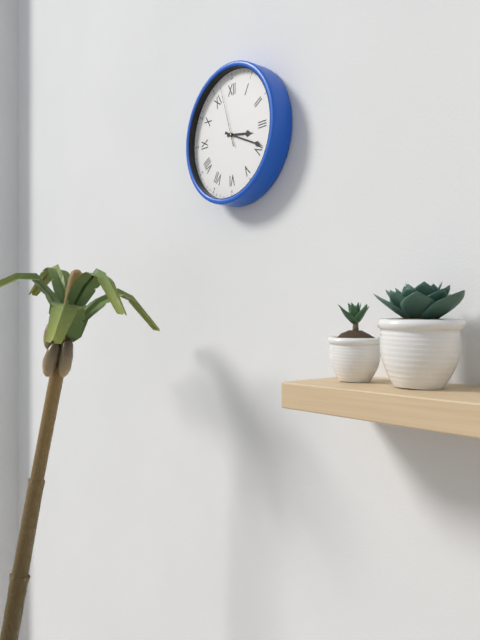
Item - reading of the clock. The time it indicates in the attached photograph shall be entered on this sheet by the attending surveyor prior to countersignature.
3:19:57
